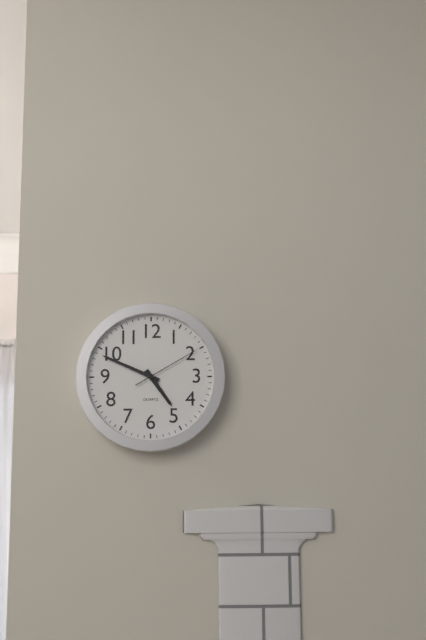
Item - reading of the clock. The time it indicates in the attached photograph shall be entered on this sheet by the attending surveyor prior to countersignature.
4:49:10
